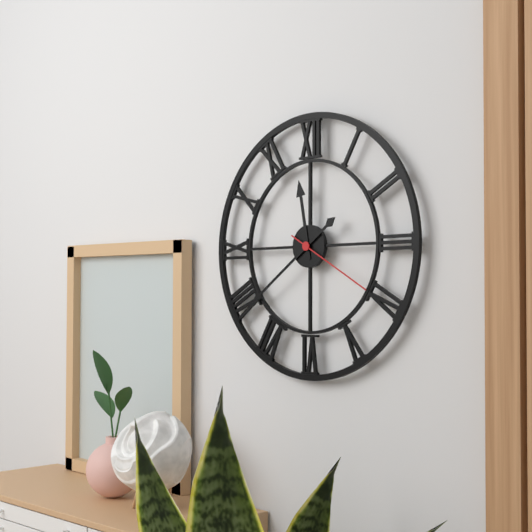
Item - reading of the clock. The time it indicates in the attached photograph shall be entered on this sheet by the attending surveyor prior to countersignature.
11:39:20
